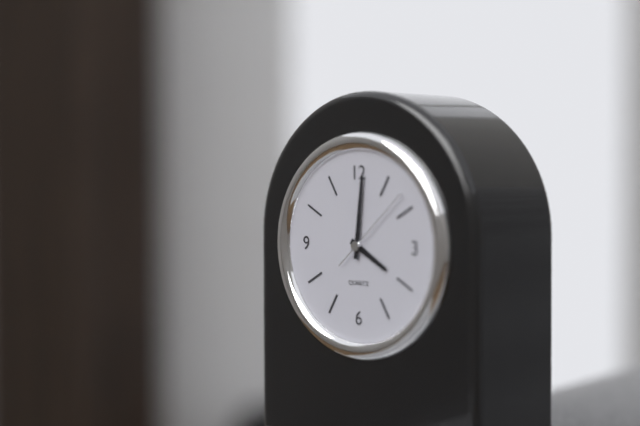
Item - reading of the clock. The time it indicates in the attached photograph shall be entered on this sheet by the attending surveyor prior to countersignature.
4:01:08
